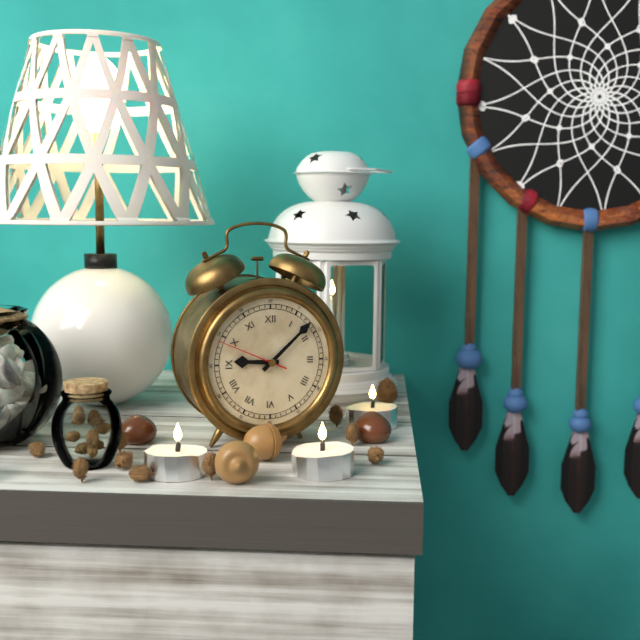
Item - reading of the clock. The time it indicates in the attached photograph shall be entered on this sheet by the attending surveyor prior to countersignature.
9:08:49
